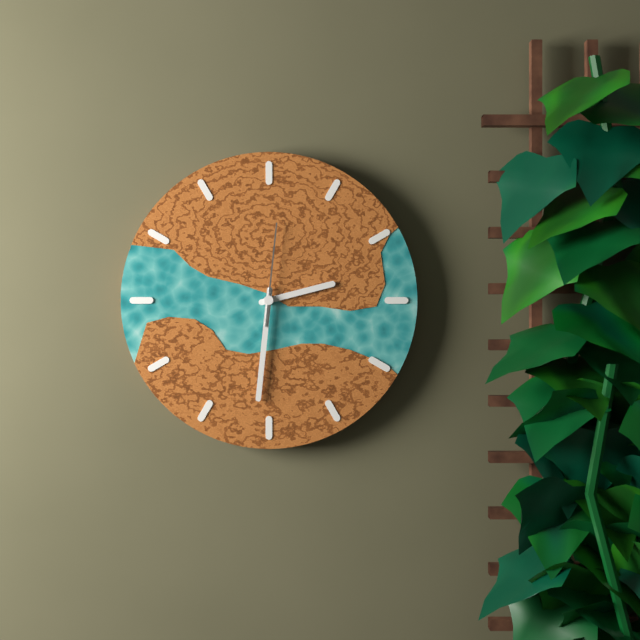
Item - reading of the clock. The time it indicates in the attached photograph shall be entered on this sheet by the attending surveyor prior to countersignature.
2:31:01
